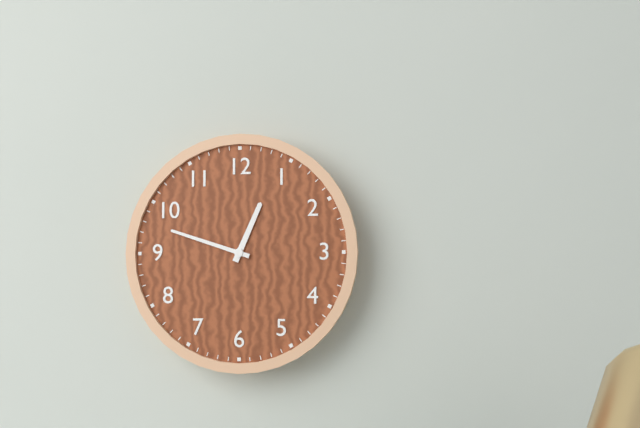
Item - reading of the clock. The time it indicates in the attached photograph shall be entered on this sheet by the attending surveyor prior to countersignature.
12:48
